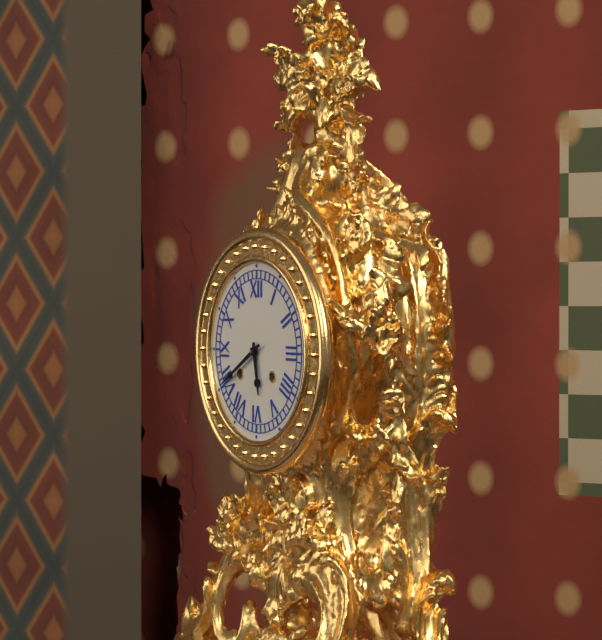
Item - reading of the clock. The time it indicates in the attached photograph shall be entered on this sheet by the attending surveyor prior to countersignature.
5:40
